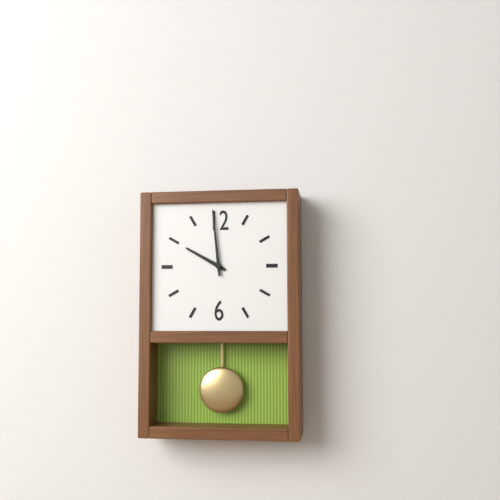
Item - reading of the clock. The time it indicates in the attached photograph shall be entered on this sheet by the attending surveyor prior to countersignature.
9:59
